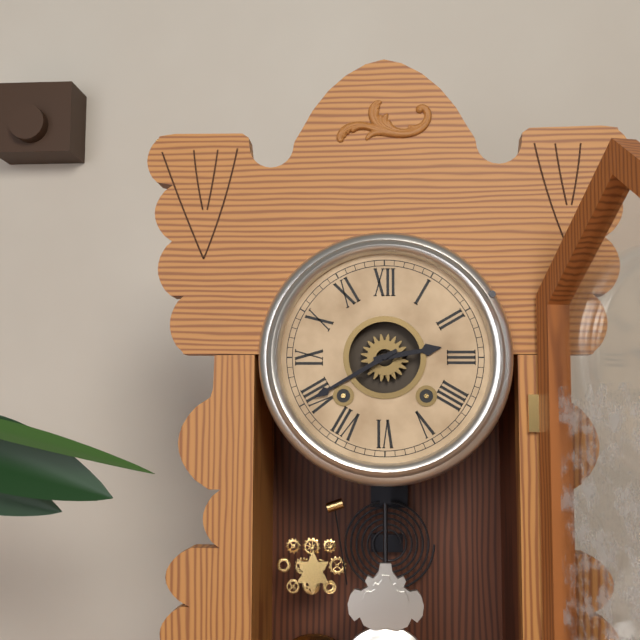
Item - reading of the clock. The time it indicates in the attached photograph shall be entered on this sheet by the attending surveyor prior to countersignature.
2:40
